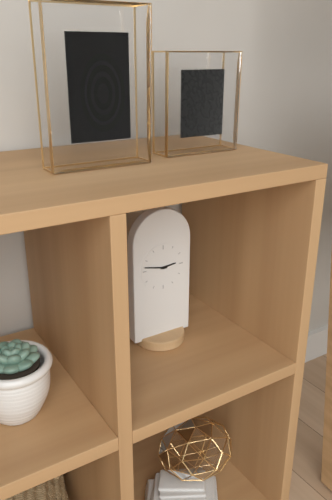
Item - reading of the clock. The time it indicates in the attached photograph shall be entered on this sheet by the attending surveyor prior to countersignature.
2:47
